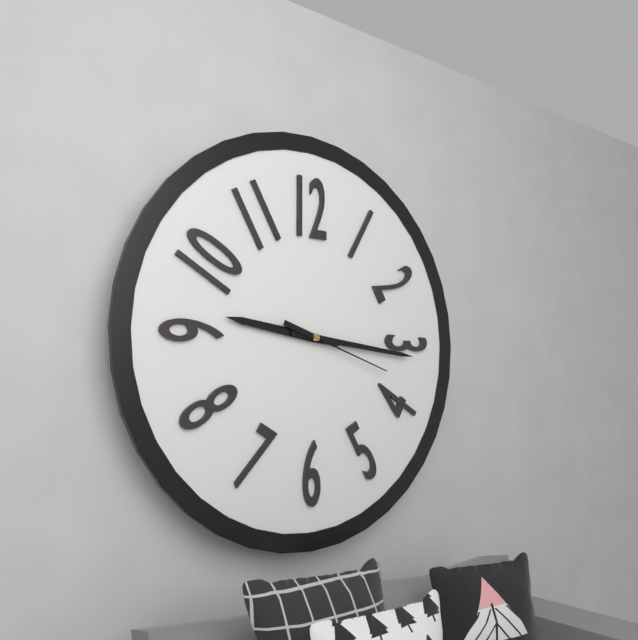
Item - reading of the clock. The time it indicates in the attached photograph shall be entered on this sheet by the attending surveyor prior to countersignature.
9:16:18
